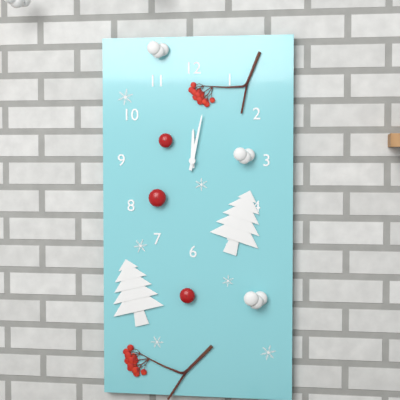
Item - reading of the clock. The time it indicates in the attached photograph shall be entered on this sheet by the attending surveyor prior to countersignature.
12:02
